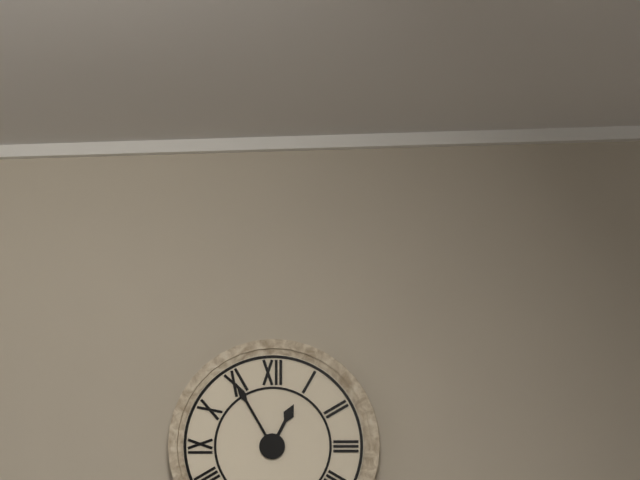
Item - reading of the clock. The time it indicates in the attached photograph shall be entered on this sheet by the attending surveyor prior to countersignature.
12:55
